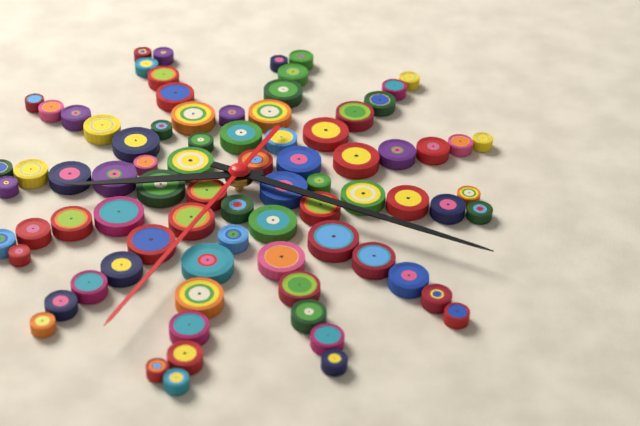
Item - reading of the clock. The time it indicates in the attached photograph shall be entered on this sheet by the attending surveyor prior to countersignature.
8:17:32
